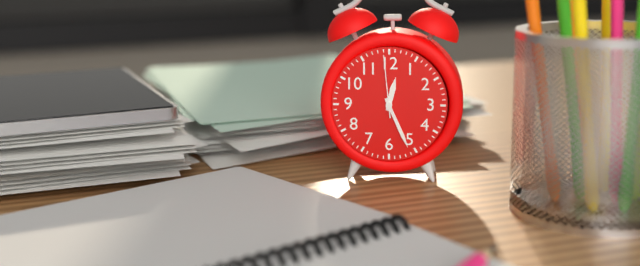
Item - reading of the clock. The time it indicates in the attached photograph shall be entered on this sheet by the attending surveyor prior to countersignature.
12:26:59
